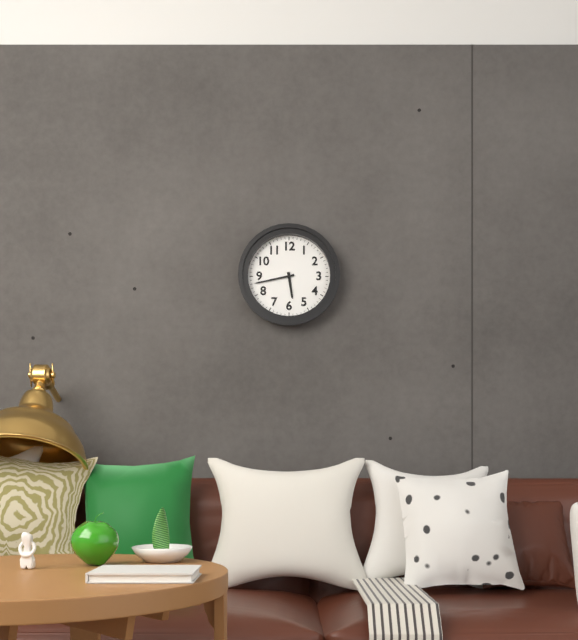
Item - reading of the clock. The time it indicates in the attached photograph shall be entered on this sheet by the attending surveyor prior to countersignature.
5:43
